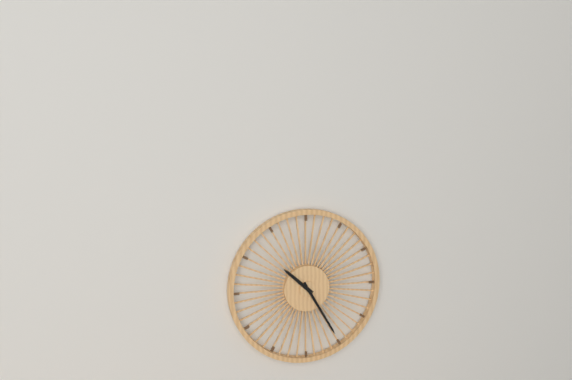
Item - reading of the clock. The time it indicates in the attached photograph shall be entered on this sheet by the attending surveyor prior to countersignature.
10:25
